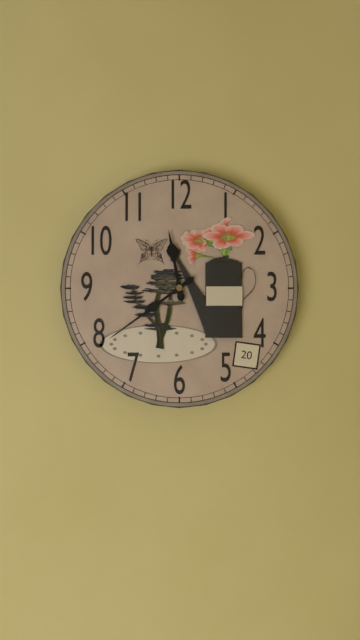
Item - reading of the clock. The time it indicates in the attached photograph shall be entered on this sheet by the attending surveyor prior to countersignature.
11:39
